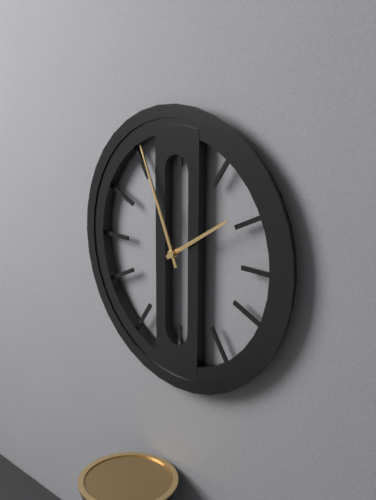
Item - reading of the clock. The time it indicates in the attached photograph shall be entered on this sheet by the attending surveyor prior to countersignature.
1:56
